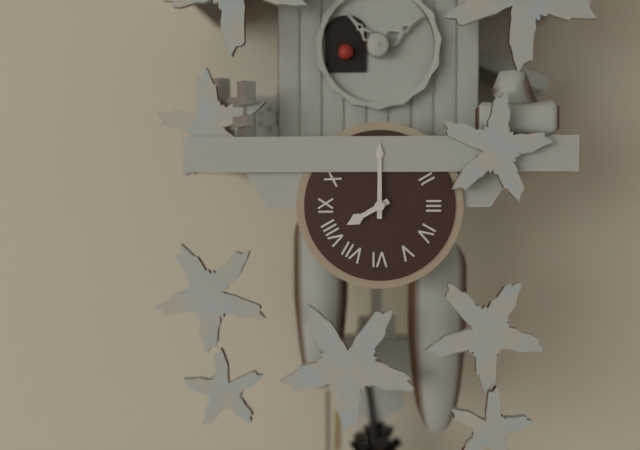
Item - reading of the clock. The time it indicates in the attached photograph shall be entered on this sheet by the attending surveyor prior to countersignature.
8:00
